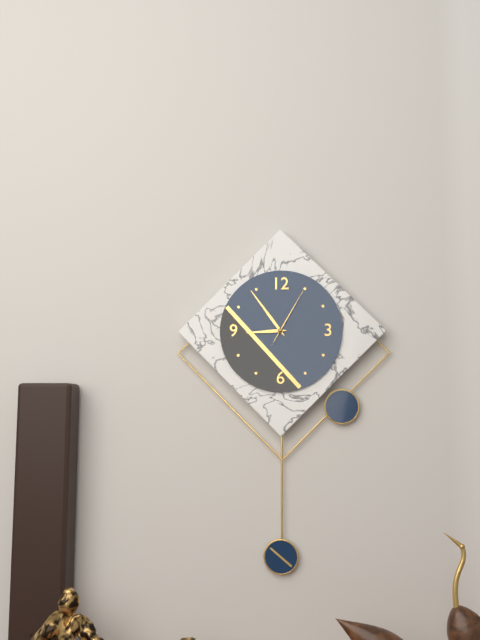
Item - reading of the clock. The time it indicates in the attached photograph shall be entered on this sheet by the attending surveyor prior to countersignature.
8:54:05
